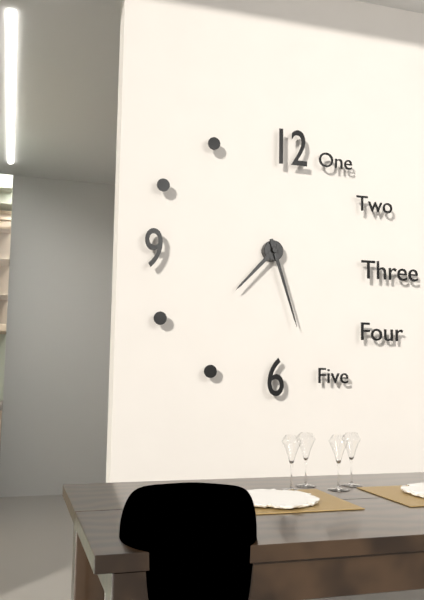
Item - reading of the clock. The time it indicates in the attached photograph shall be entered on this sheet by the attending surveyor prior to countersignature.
7:27
